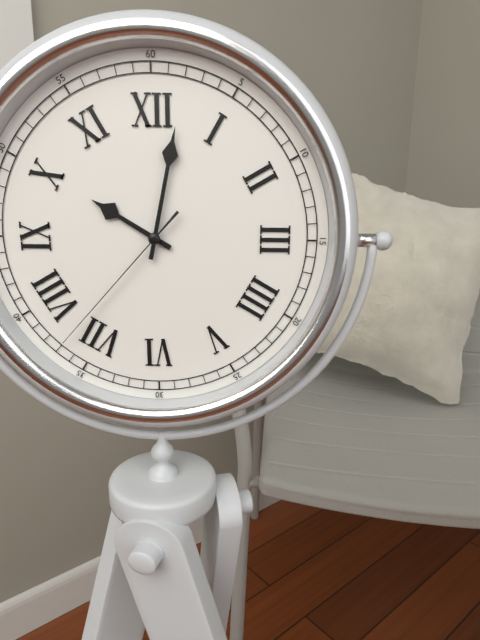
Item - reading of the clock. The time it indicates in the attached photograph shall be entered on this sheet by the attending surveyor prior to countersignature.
10:02:37
